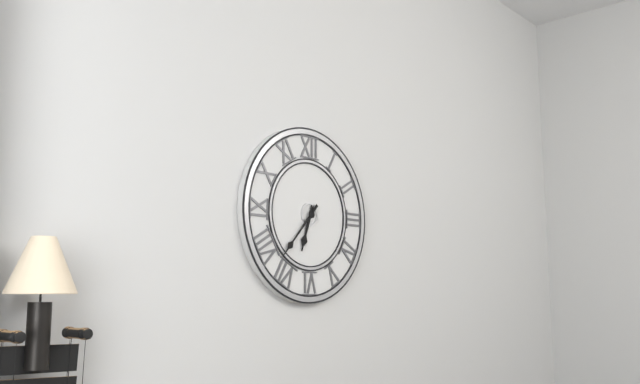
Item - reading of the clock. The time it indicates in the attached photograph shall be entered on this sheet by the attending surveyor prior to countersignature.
6:37
